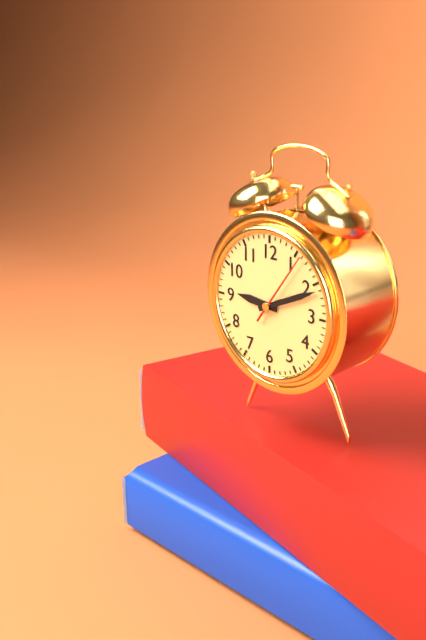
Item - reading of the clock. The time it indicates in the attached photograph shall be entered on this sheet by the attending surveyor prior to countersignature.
9:11:06
